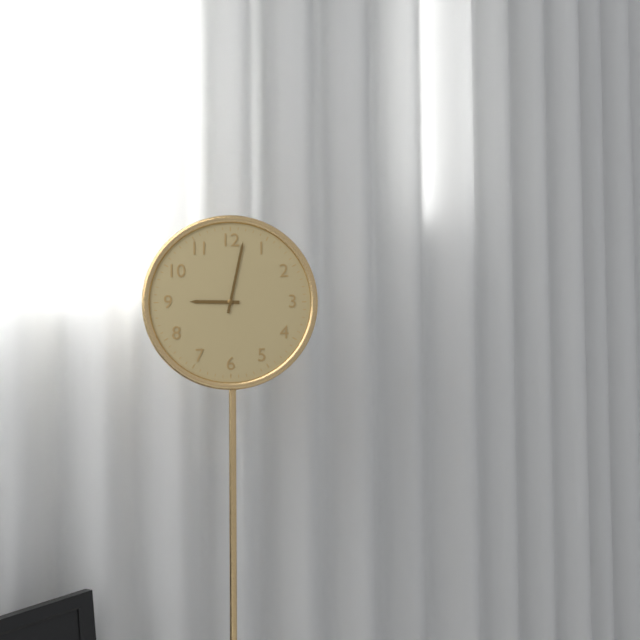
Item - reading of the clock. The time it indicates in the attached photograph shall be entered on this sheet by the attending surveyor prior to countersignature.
9:02
